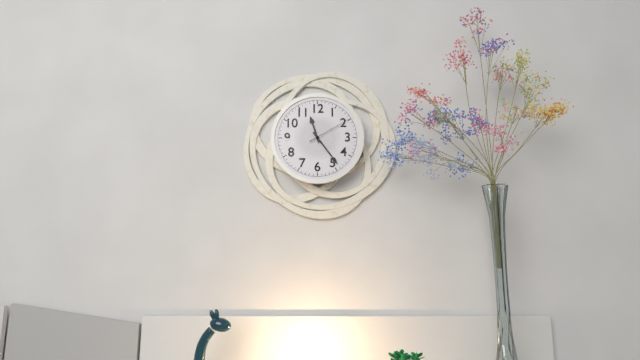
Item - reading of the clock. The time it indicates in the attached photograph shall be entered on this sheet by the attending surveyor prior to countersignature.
11:24
